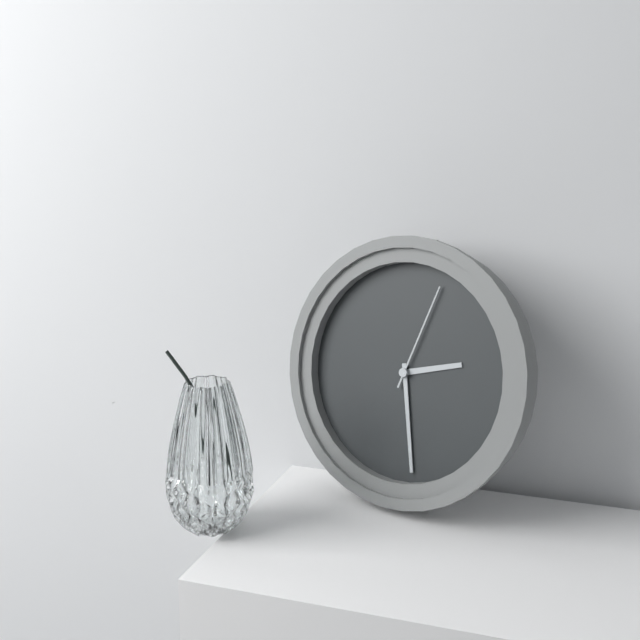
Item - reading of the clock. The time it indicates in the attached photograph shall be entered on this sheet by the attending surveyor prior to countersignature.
2:28:03
